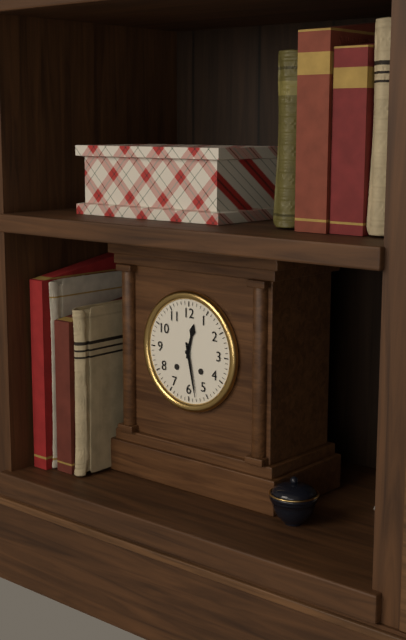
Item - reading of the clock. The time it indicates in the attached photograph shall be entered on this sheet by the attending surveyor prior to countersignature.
12:28
